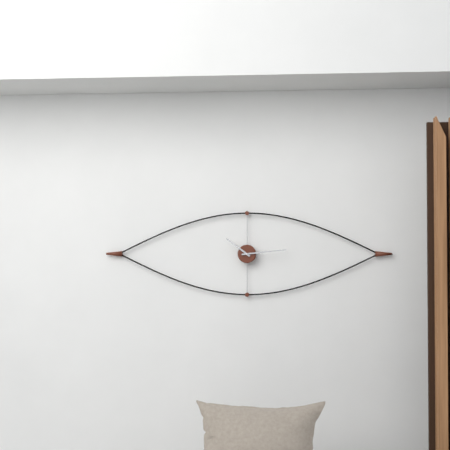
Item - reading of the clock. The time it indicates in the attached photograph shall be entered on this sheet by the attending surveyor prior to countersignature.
10:14
